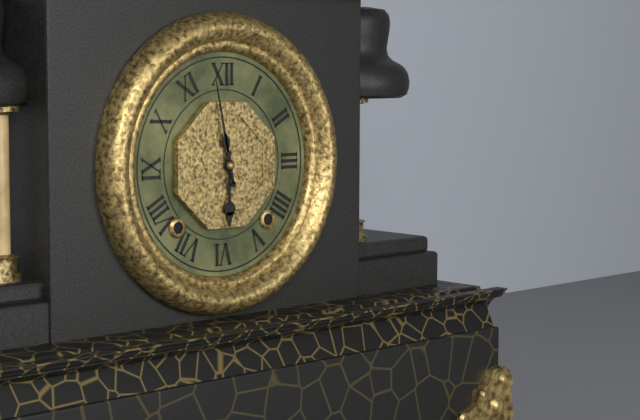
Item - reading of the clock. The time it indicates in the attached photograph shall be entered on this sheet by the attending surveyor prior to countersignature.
5:58
